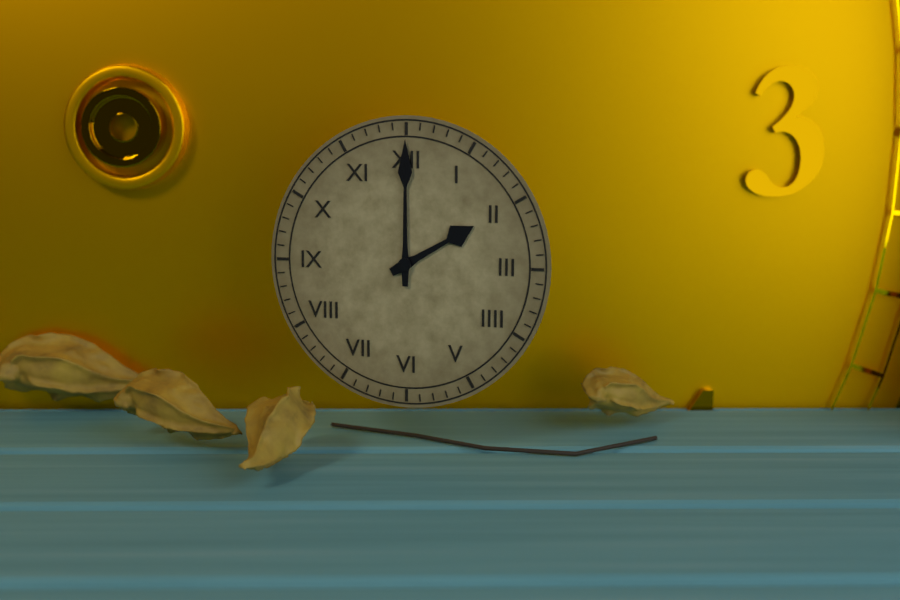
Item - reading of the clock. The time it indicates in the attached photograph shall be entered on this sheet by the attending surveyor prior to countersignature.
2:00
